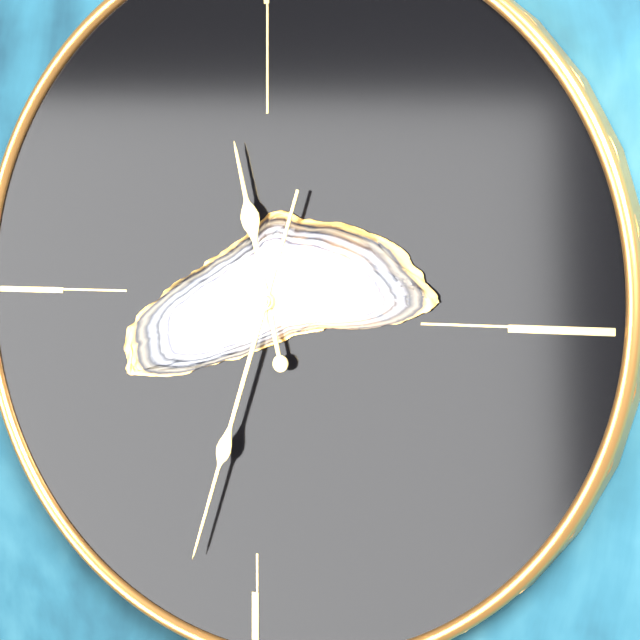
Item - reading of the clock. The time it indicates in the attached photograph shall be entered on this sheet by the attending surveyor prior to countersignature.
11:33
